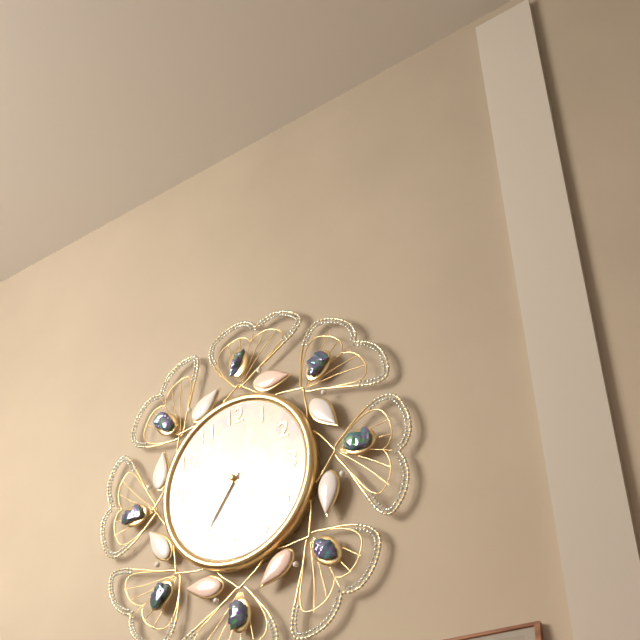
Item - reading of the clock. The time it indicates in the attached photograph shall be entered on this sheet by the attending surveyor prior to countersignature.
4:36:40
